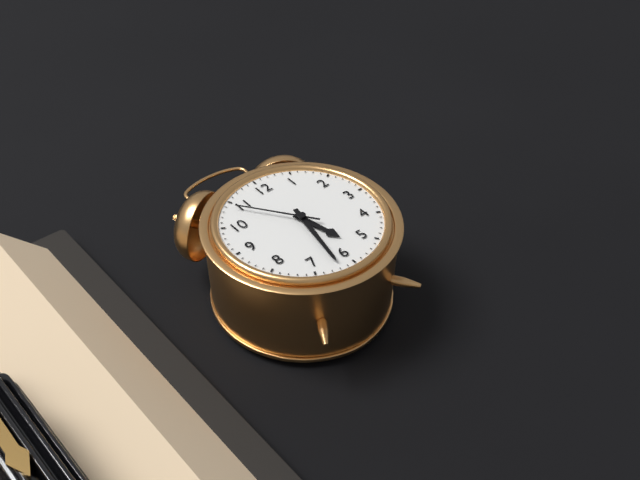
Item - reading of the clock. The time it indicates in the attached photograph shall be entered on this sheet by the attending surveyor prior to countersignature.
5:32:54
